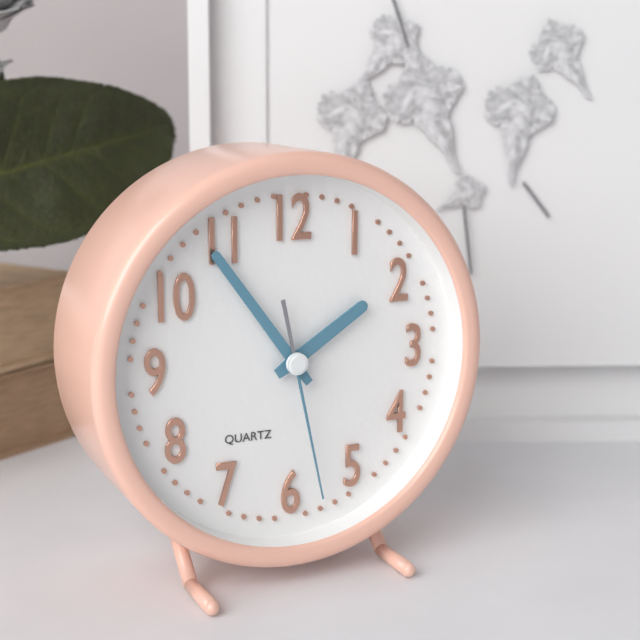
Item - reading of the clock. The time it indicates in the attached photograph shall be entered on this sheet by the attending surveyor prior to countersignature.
1:54:28
